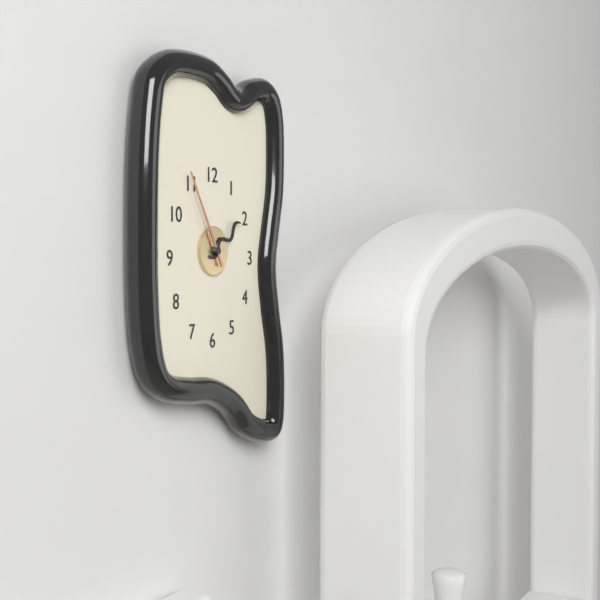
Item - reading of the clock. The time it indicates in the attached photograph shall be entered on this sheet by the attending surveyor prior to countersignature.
1:55
